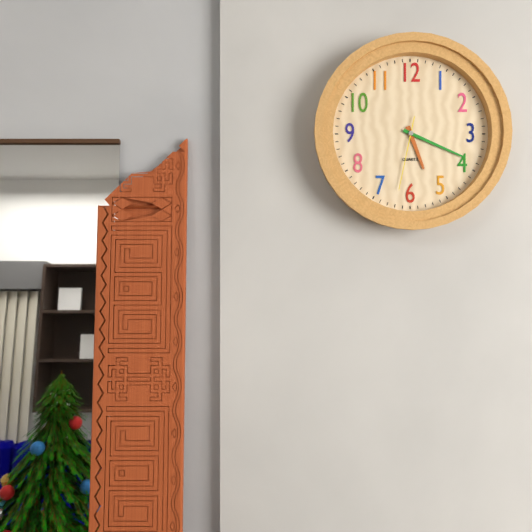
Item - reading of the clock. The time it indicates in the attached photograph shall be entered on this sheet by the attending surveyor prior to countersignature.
5:19:32
